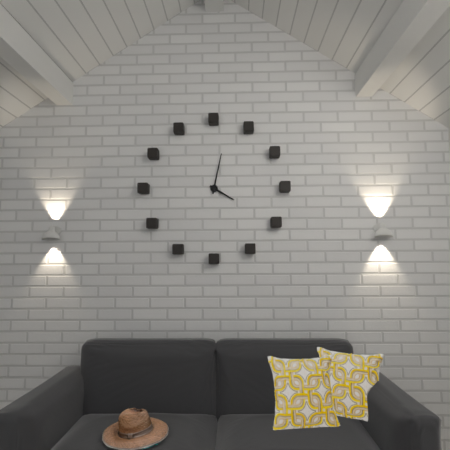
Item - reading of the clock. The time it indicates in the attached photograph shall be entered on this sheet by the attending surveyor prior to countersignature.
4:02
